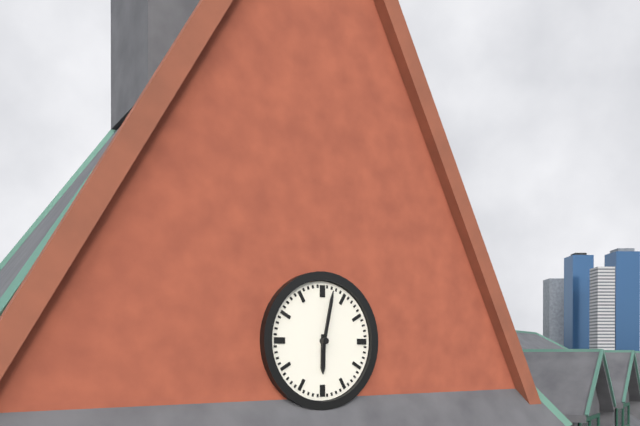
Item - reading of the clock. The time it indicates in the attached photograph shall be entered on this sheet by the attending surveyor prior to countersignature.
6:02
